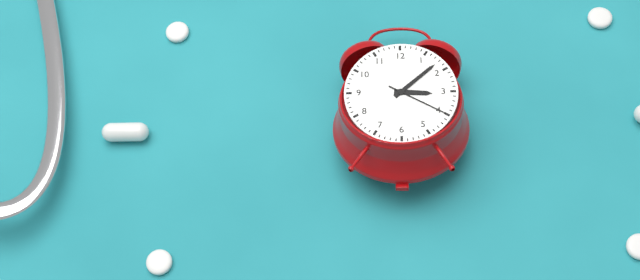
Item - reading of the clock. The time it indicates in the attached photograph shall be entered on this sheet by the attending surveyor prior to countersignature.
3:08:20
